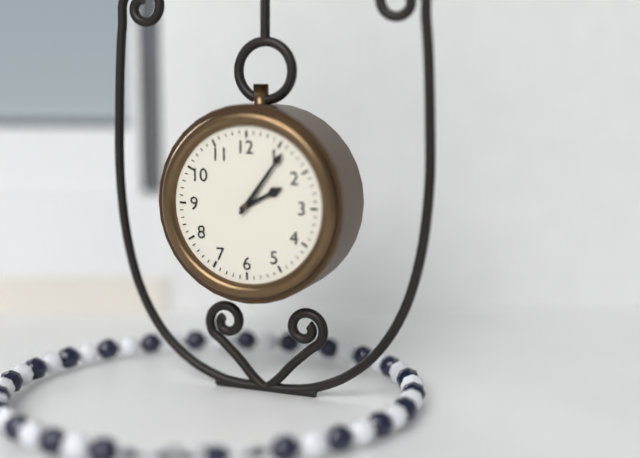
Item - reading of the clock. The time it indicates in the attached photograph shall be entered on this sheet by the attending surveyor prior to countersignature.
2:06
